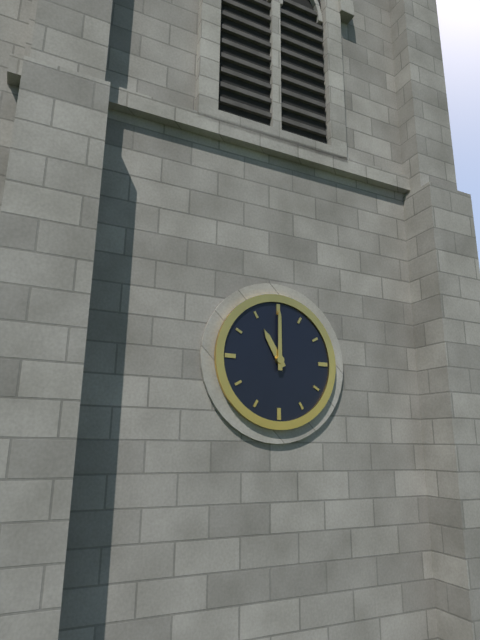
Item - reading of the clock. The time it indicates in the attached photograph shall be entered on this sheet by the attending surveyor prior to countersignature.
11:00
